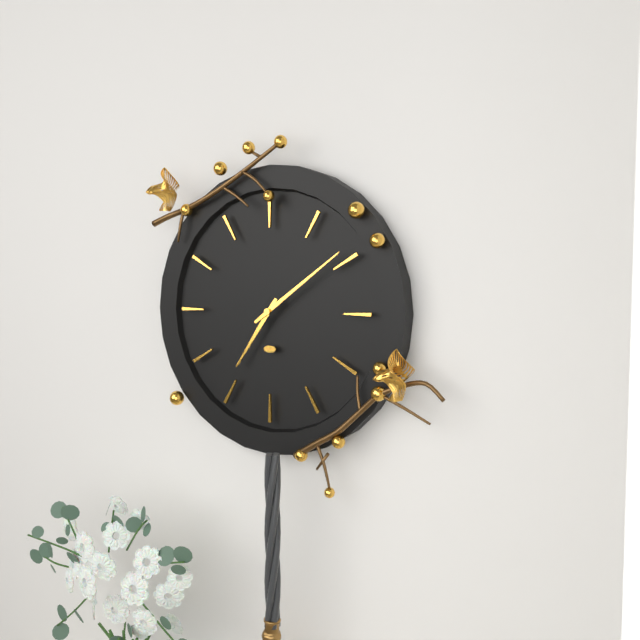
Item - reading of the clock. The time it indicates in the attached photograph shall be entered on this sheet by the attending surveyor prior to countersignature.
7:09
